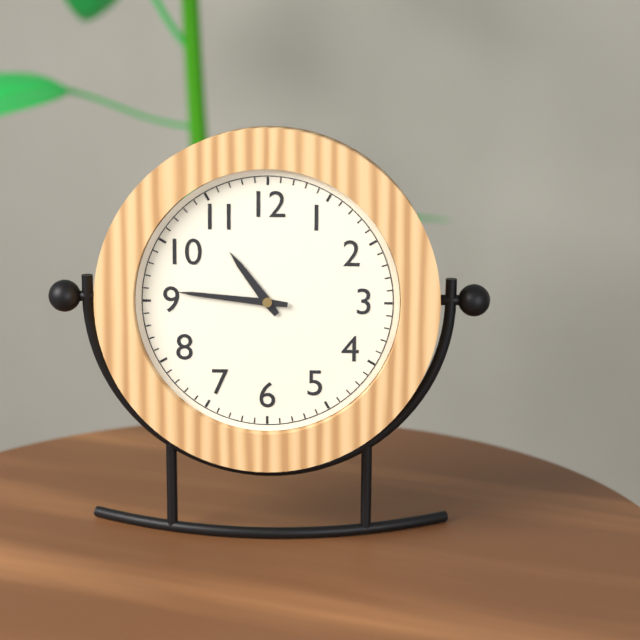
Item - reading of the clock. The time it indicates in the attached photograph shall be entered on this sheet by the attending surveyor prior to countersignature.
10:46
